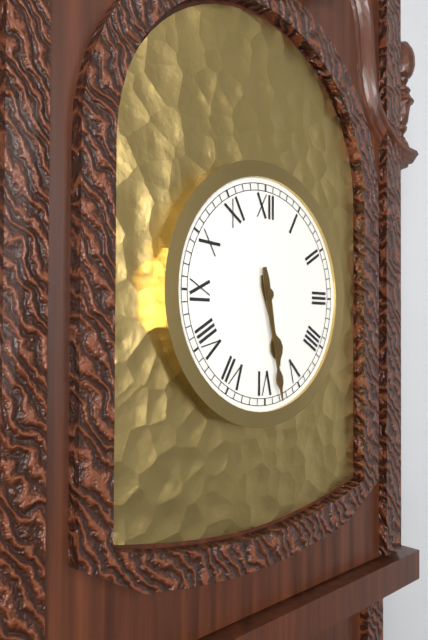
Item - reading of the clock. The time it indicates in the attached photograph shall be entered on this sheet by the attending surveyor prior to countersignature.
5:28
